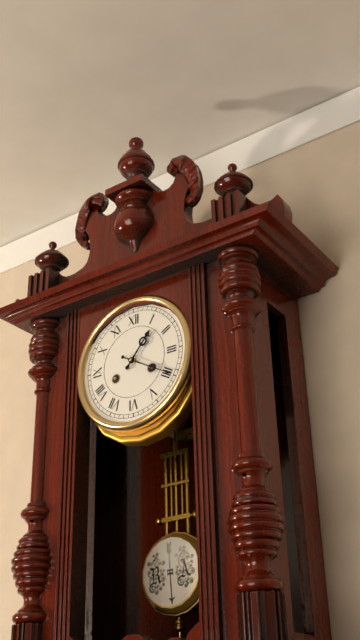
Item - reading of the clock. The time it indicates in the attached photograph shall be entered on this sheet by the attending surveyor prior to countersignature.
1:20
